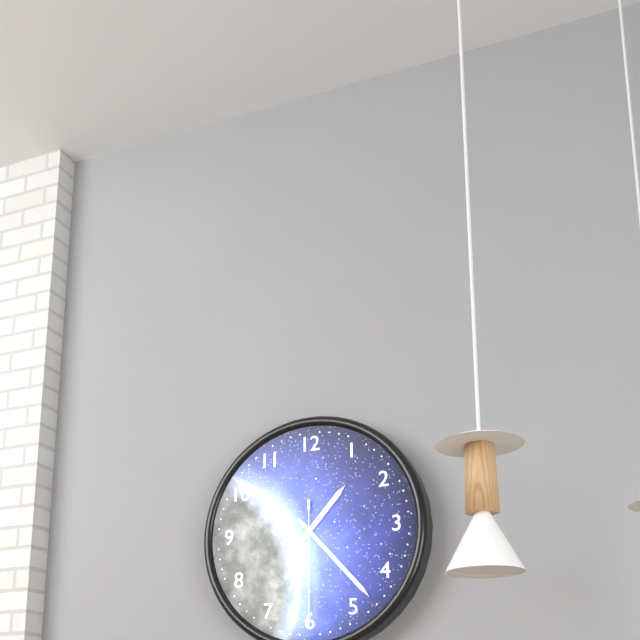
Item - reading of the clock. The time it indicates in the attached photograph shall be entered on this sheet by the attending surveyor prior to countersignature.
1:23:30
